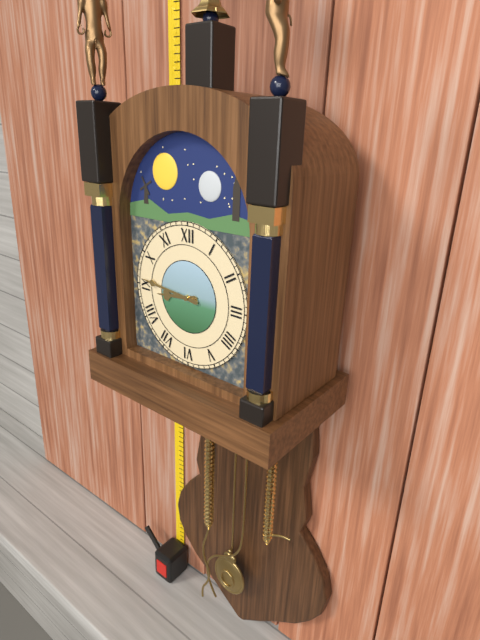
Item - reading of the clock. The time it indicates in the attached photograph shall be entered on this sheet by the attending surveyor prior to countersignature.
8:46
